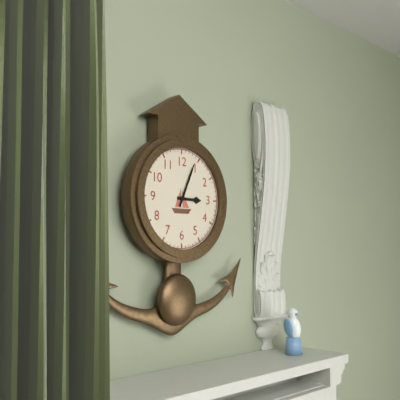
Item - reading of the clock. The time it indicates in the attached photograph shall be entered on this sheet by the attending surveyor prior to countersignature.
3:04
